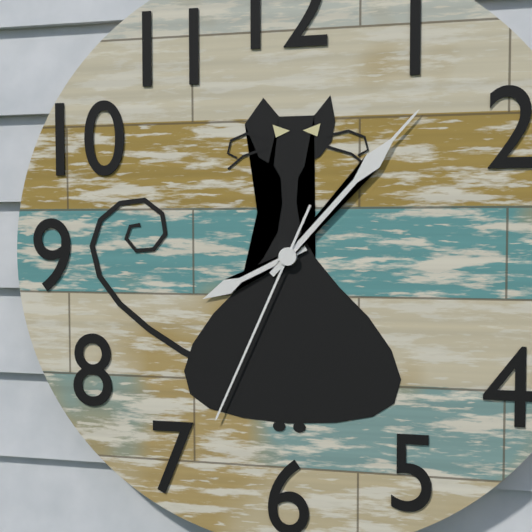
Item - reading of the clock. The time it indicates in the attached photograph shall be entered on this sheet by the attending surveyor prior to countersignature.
8:07:34
